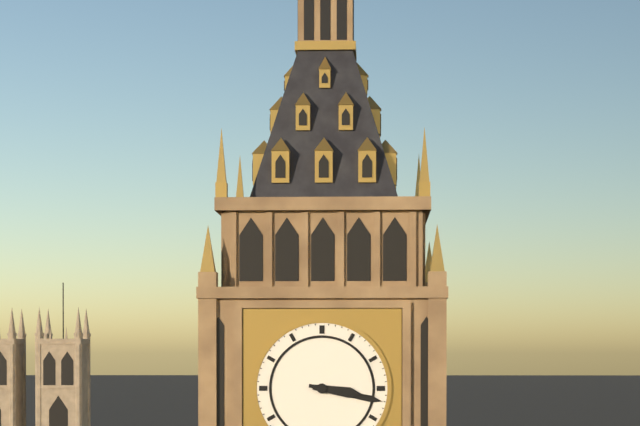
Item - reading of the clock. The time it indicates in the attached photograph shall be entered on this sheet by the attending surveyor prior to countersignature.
3:17
